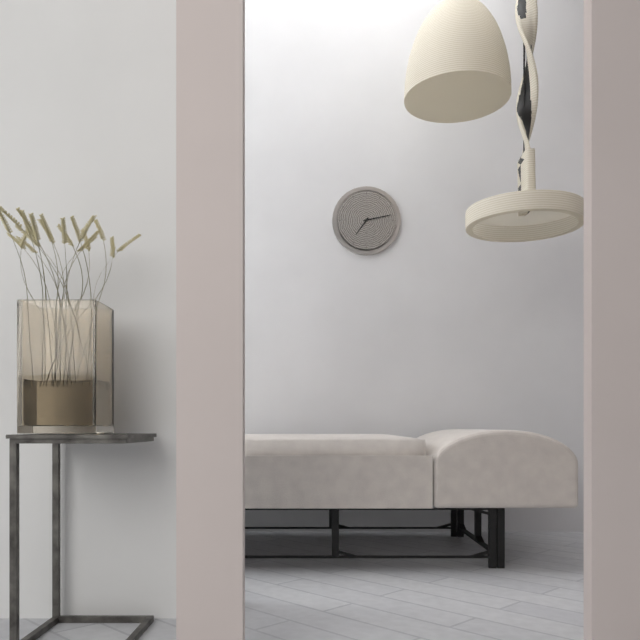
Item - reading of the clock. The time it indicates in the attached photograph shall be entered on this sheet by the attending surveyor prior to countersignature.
7:13
